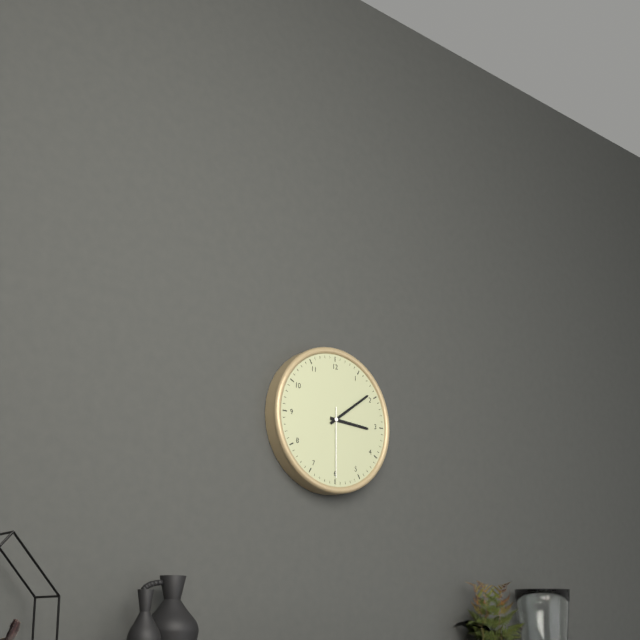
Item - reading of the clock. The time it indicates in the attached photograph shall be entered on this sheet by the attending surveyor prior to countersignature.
3:09:30
